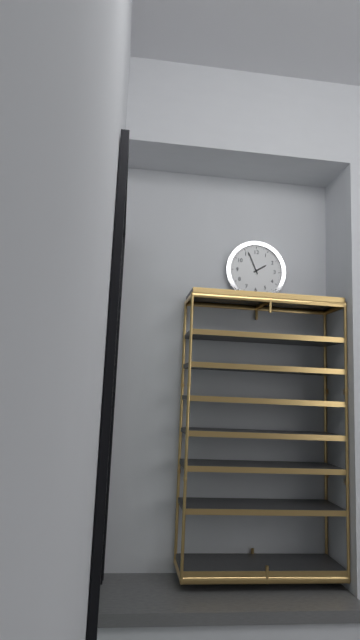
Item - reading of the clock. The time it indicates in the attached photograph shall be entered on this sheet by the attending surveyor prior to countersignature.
1:56
